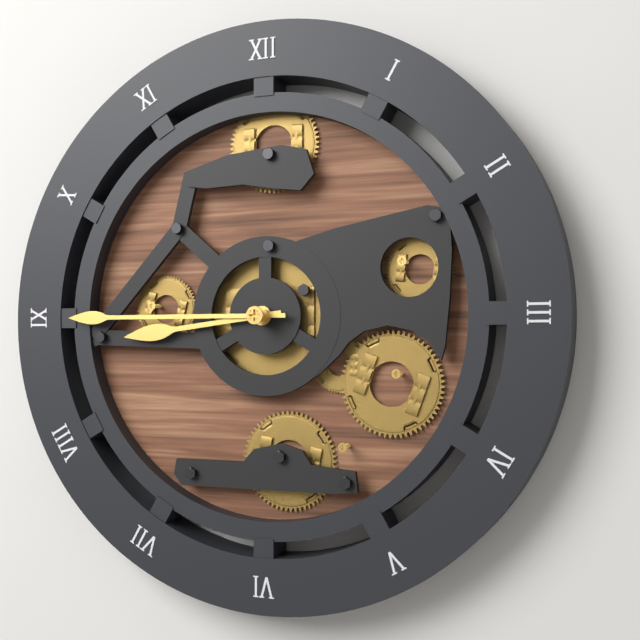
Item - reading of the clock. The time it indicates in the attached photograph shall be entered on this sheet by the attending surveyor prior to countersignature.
8:45
